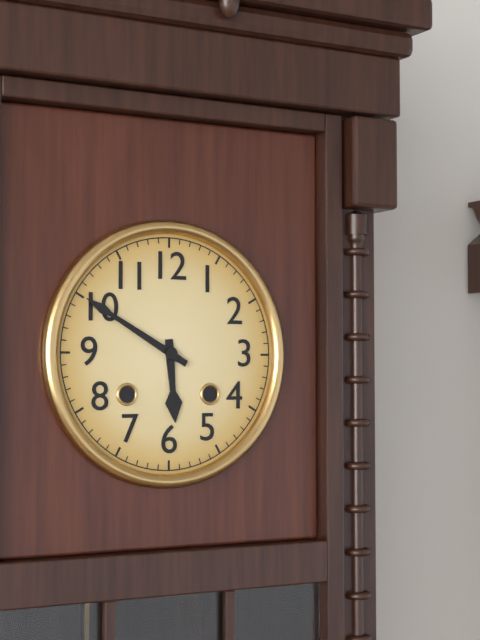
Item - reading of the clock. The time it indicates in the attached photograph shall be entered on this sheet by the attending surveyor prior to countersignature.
5:50
